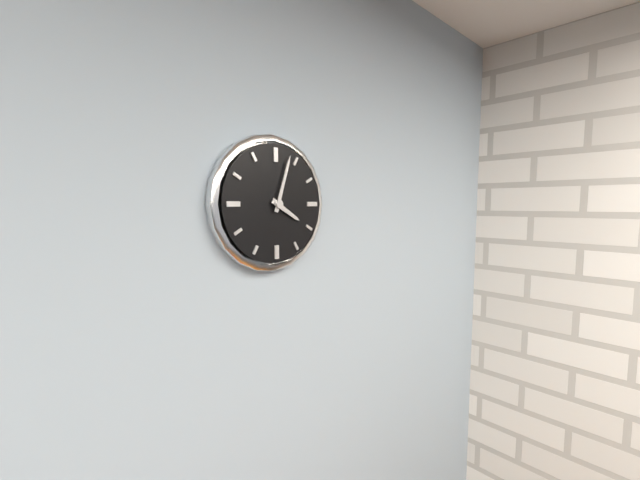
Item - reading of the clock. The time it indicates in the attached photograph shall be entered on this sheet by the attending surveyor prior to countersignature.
4:03
